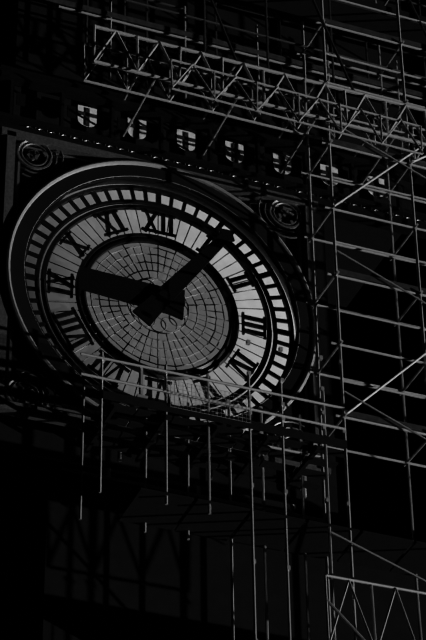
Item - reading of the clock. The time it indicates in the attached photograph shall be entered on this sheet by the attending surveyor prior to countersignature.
9:06
